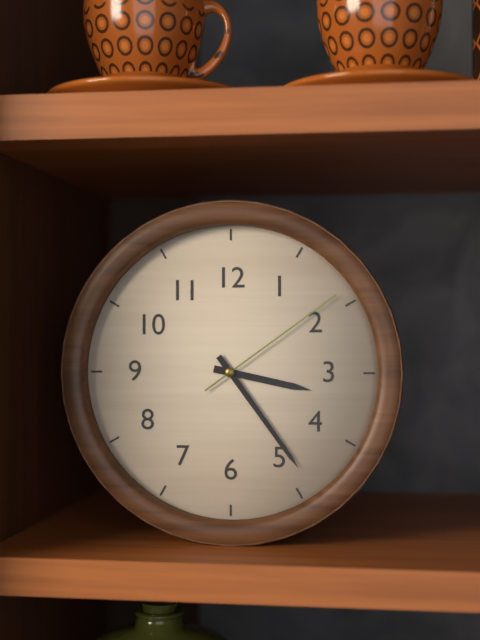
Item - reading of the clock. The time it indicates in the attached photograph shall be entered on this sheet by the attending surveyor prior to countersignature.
3:24:09
